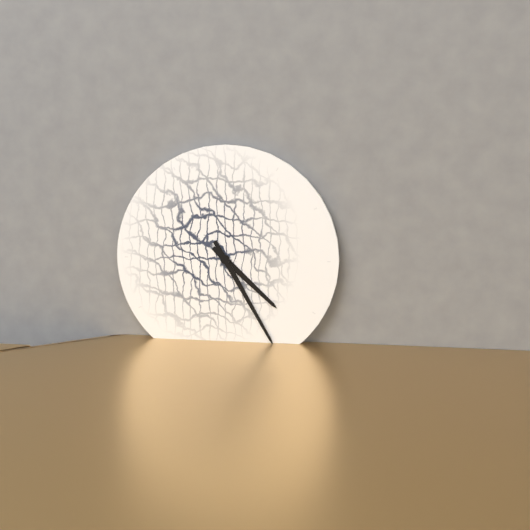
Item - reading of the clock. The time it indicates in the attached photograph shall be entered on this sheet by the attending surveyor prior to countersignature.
4:25
